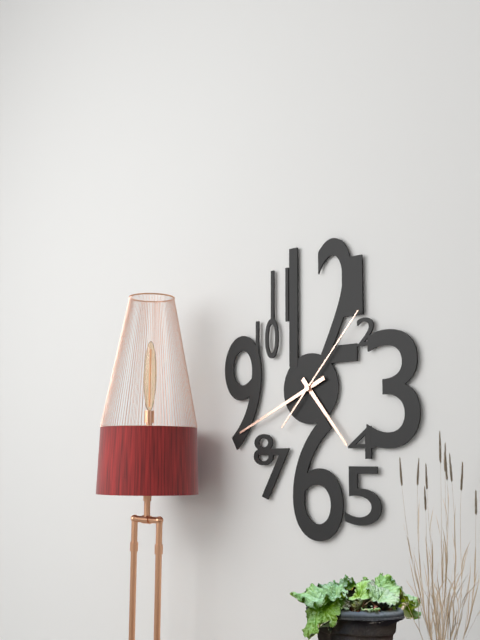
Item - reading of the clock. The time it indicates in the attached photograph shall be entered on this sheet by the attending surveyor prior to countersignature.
4:41:07
